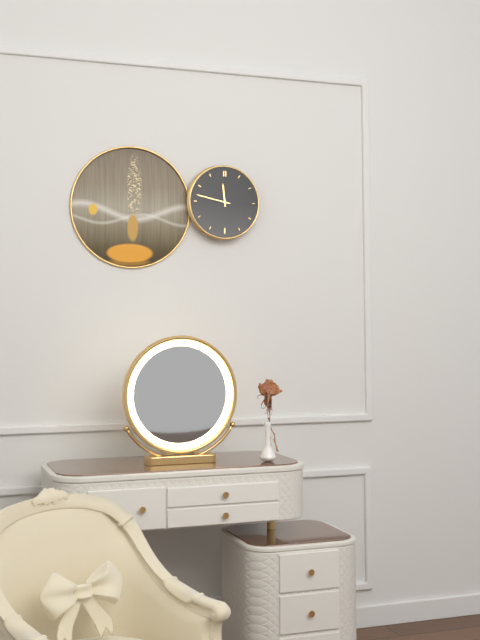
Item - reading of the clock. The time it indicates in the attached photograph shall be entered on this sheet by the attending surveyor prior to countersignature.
11:47
